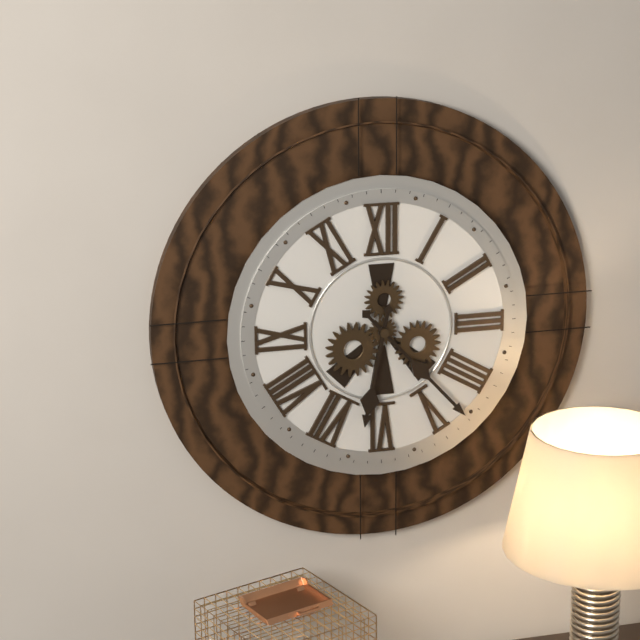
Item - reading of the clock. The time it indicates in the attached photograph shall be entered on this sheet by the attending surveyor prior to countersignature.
6:23
